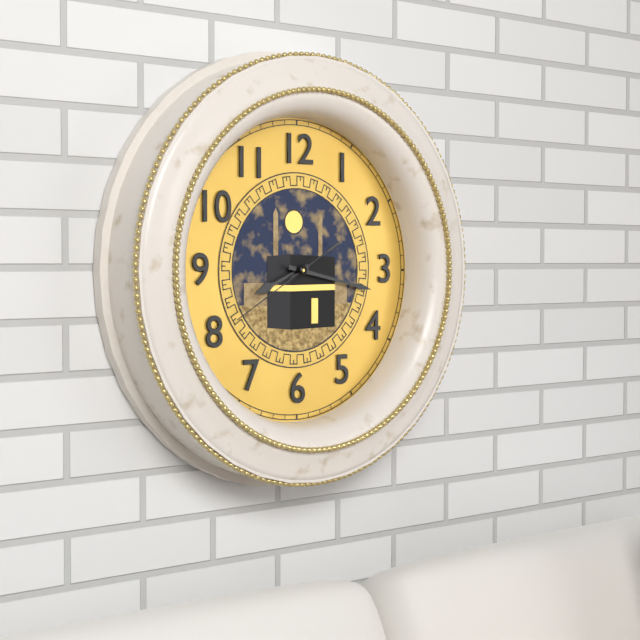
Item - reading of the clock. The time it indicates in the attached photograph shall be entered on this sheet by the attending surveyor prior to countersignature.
8:17:40
